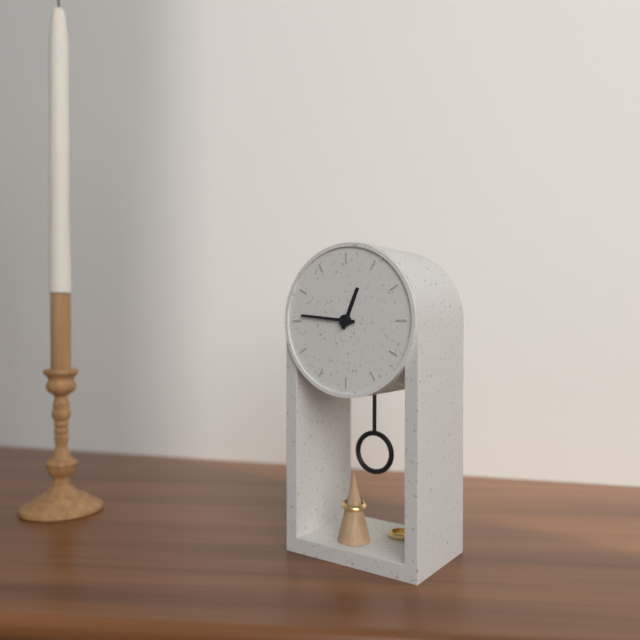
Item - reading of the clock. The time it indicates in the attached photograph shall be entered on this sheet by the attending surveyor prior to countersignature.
12:46
